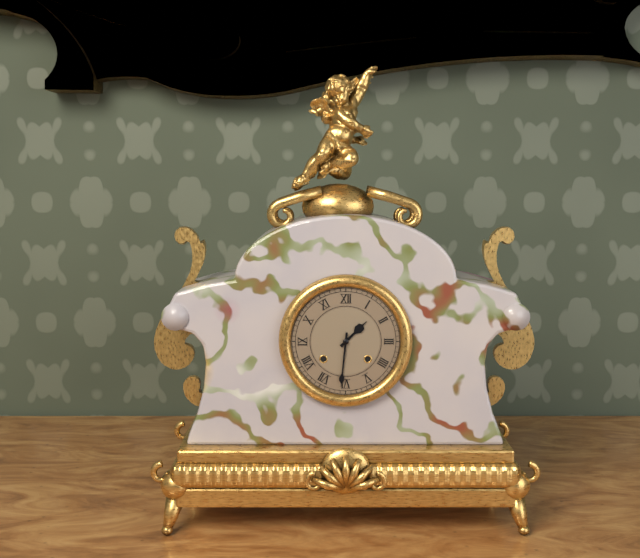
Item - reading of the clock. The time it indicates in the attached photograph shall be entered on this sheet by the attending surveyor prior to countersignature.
1:31
